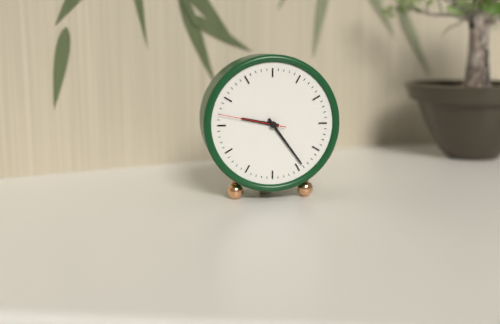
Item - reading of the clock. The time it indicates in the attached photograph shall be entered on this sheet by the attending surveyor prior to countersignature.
9:24:47
